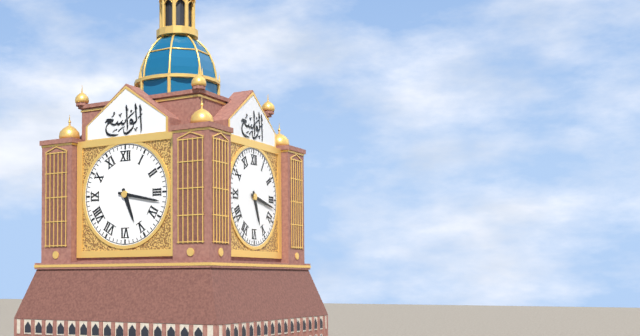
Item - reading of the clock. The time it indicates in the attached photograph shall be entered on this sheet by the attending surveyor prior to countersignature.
5:17
